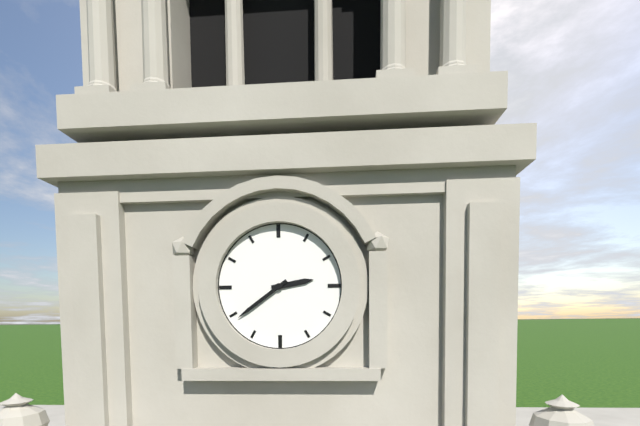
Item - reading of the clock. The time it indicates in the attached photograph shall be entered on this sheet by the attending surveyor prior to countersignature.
2:39
